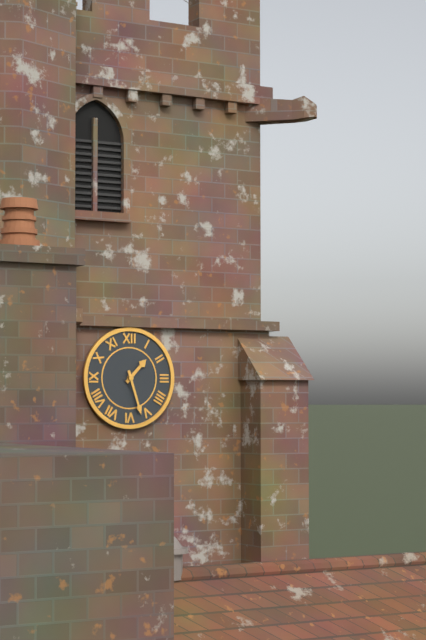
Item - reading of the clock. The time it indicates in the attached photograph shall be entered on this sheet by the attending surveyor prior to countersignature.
1:27
